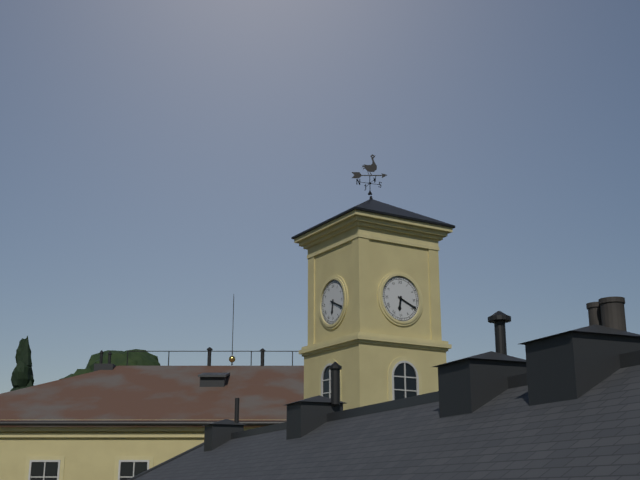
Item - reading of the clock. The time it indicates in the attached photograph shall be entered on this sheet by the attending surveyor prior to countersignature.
6:19
